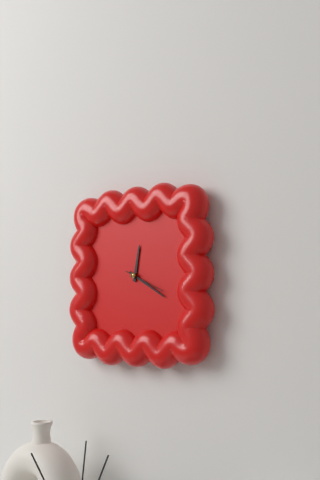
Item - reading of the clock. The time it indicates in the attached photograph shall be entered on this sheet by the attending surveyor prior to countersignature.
12:20
